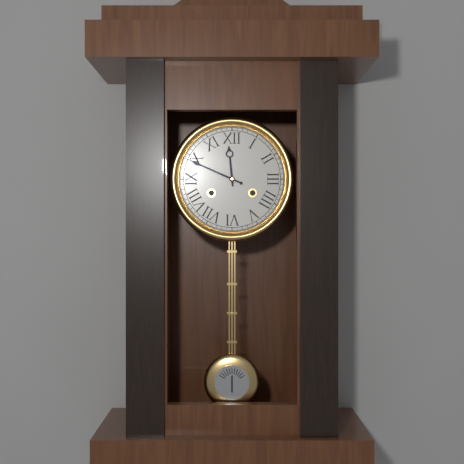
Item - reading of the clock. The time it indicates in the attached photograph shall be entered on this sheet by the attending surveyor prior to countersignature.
11:49
